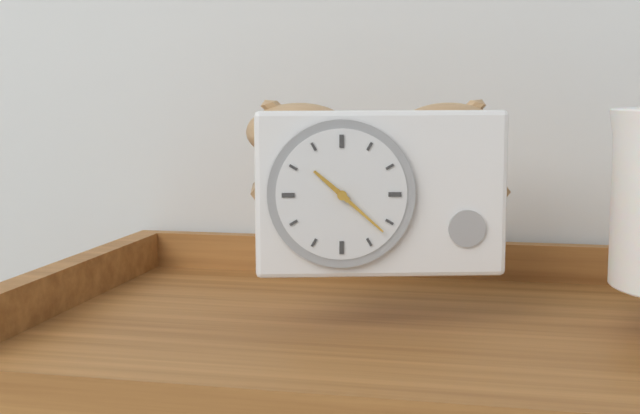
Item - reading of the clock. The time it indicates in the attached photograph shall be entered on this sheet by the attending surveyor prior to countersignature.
10:22
